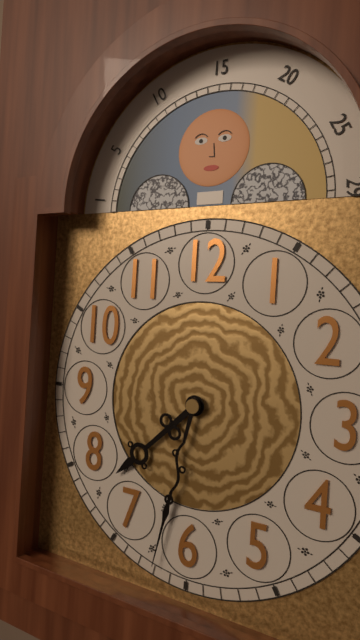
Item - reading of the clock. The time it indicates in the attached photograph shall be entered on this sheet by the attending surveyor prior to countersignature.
7:32
